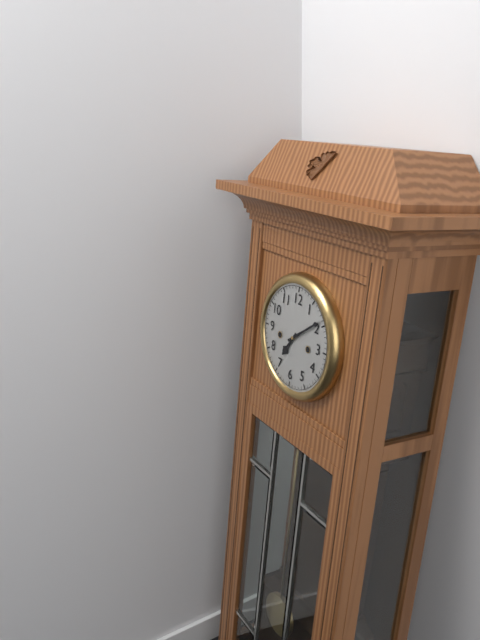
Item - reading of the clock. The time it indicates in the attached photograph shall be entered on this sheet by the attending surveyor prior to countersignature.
7:09
